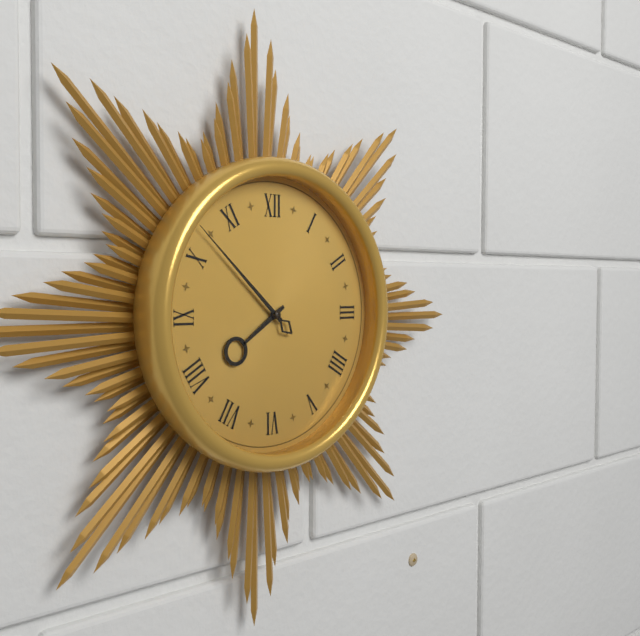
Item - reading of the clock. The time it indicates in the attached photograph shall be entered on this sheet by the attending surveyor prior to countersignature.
7:52
